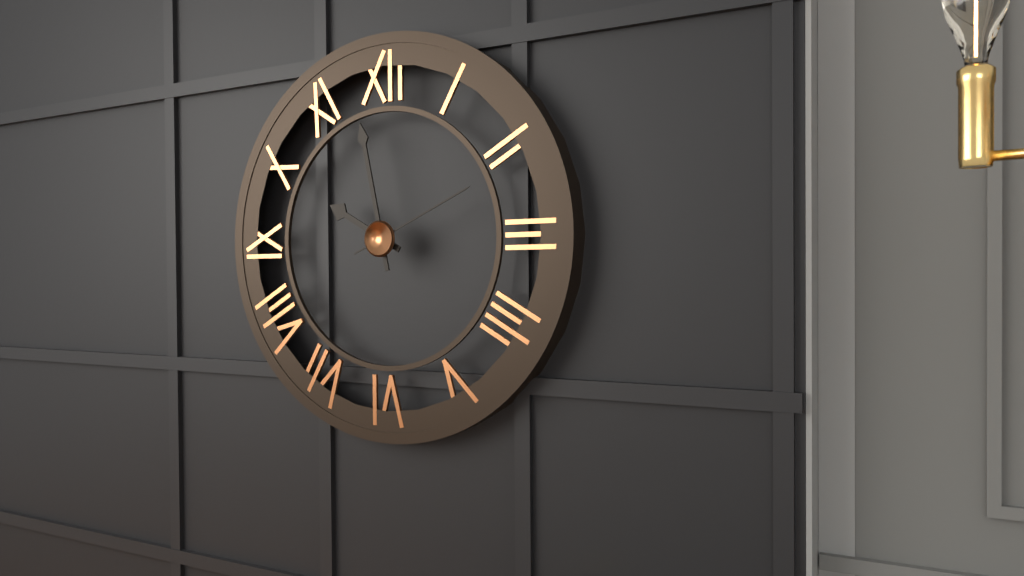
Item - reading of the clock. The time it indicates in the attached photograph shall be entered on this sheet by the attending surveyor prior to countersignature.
9:58:11
